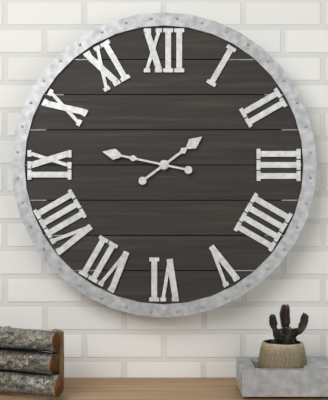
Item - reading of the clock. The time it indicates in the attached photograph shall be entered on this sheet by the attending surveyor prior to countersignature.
1:47
